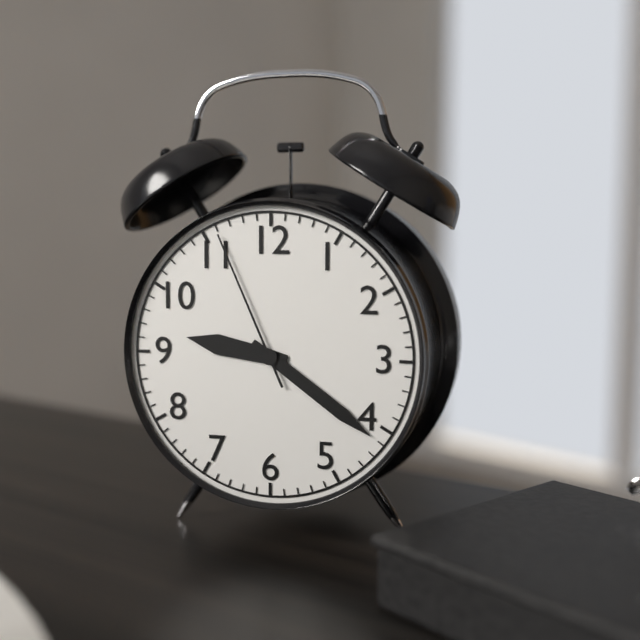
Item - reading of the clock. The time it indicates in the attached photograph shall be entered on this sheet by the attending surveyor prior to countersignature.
9:21:56
